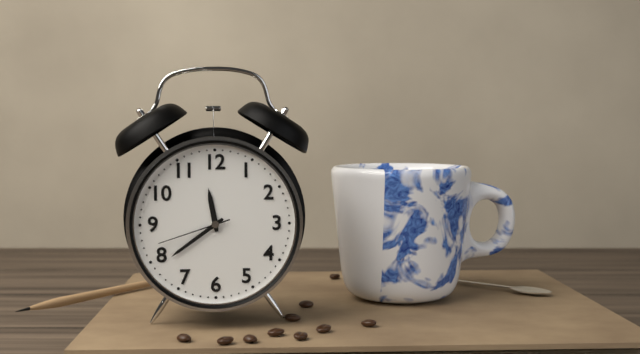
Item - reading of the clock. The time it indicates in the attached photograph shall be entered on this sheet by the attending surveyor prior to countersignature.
11:39:42
